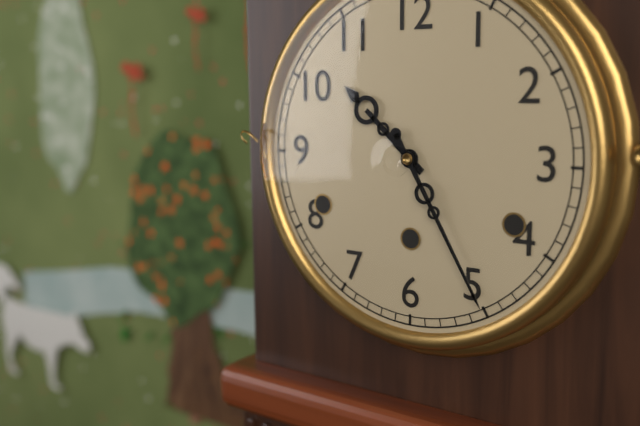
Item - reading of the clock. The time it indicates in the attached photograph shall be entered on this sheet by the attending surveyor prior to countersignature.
10:25
